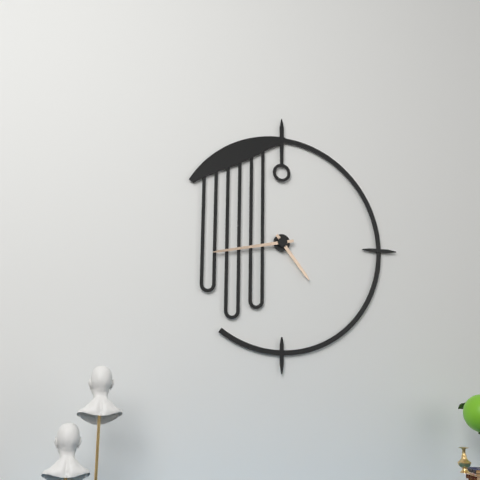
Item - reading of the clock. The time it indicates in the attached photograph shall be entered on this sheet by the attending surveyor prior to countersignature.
4:43
